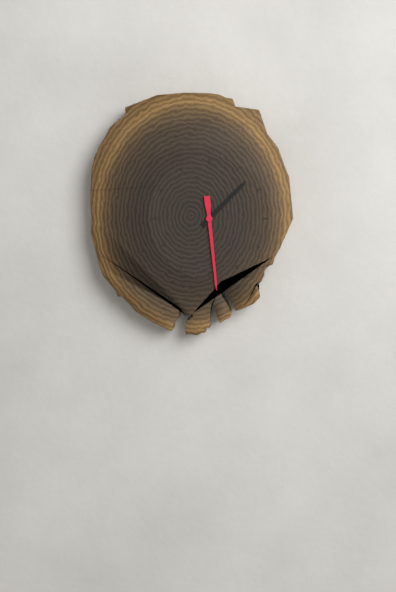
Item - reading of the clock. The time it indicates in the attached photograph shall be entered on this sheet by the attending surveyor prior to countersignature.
1:29
